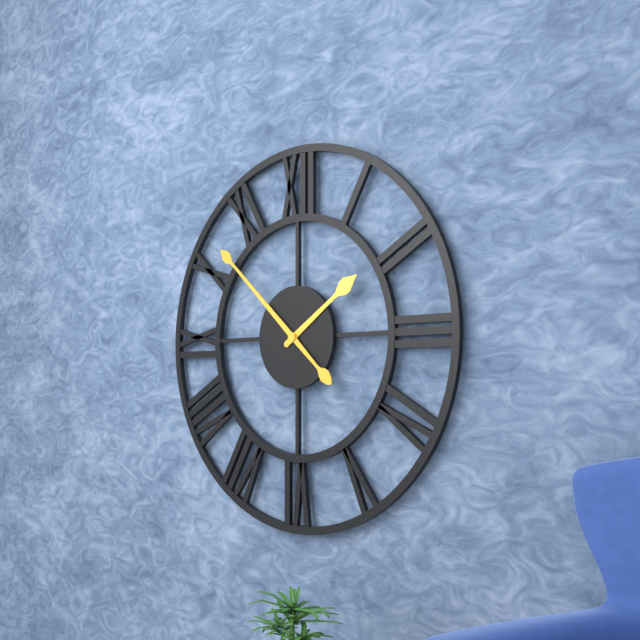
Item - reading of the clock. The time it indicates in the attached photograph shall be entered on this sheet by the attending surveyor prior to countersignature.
1:52
